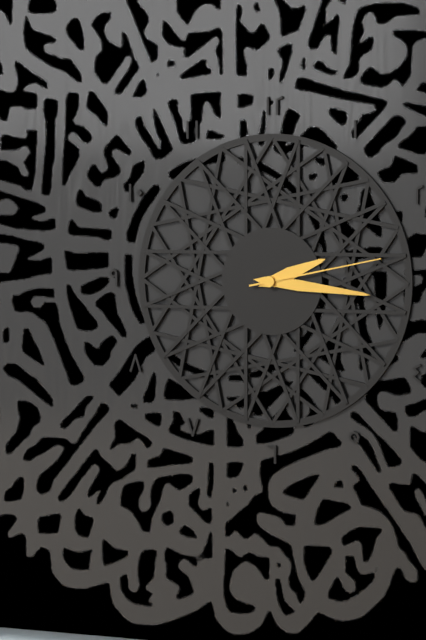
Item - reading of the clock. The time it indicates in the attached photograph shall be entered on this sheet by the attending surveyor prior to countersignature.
2:16:13
